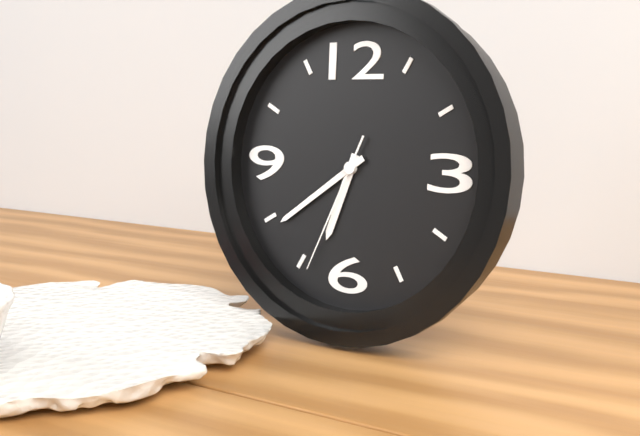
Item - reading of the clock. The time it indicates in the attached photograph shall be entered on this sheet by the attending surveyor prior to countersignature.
6:39:34
